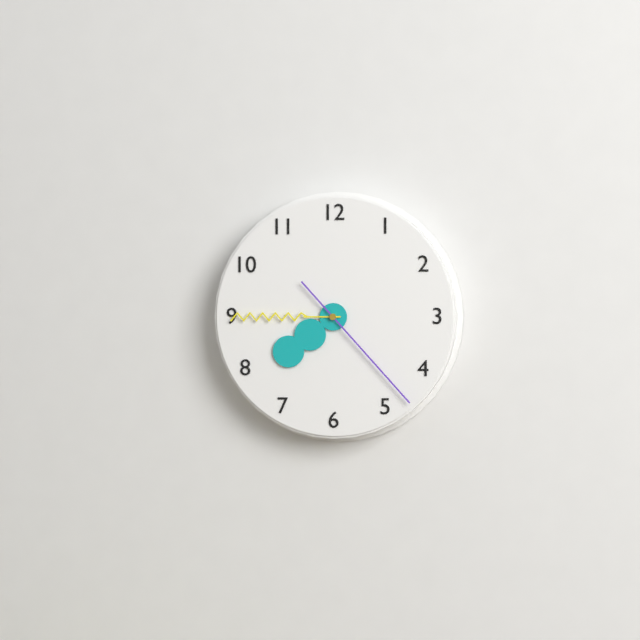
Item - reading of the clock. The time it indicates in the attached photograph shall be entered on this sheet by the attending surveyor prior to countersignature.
7:45:23
